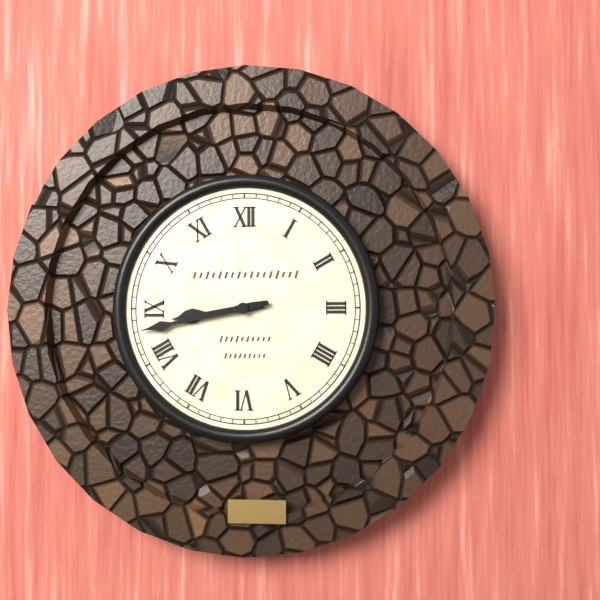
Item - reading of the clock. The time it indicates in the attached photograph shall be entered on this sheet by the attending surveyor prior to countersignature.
8:43
